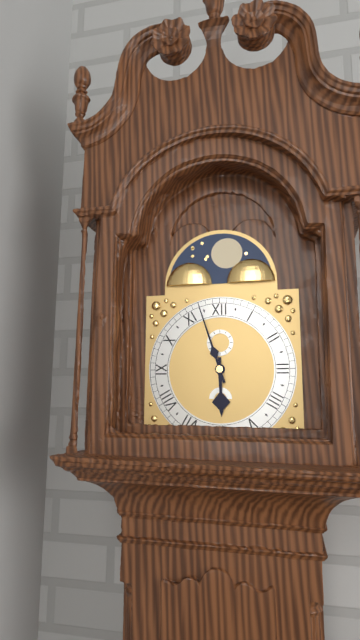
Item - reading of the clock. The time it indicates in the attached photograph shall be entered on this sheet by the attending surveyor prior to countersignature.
5:57
